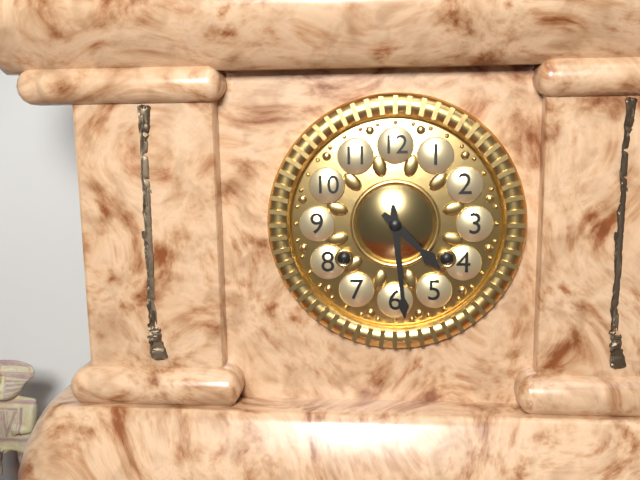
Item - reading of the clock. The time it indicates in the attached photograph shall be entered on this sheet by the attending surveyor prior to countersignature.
4:29
